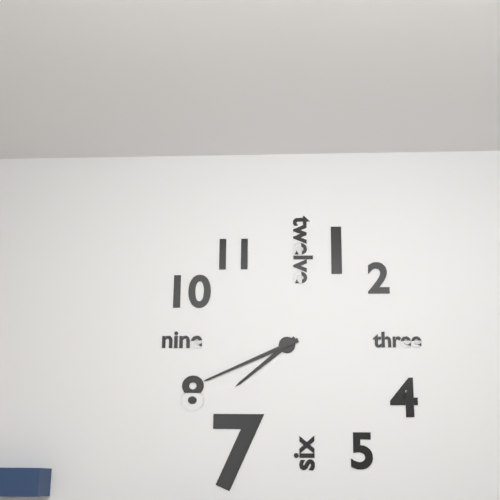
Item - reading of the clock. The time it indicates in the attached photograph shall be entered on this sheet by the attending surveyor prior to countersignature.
7:41
